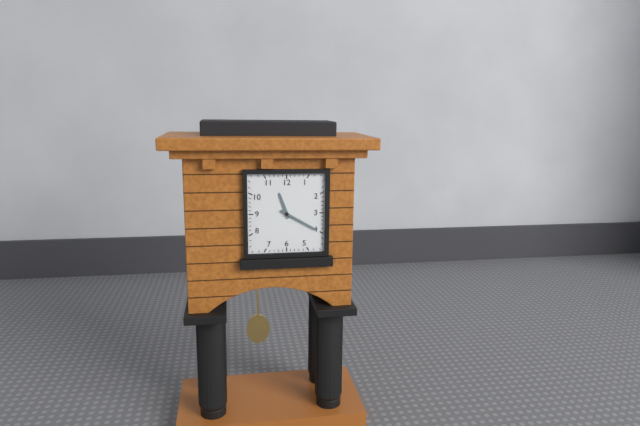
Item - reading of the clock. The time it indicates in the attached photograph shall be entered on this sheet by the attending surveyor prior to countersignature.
11:20
